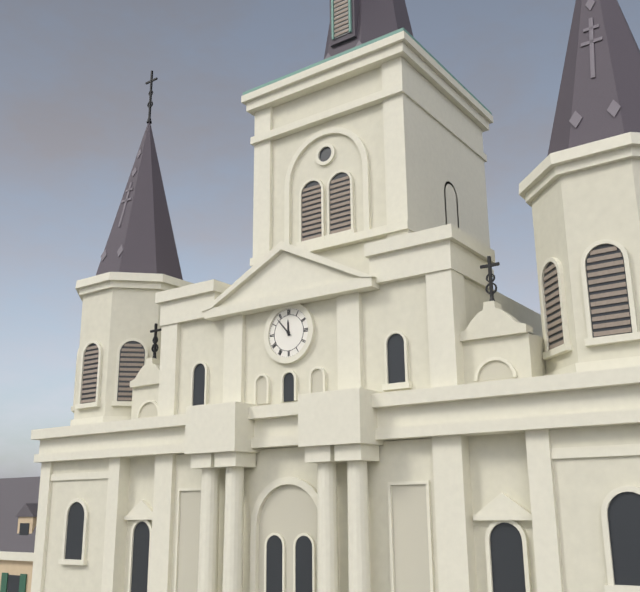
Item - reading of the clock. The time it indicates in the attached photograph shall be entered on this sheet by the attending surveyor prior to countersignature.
11:53
